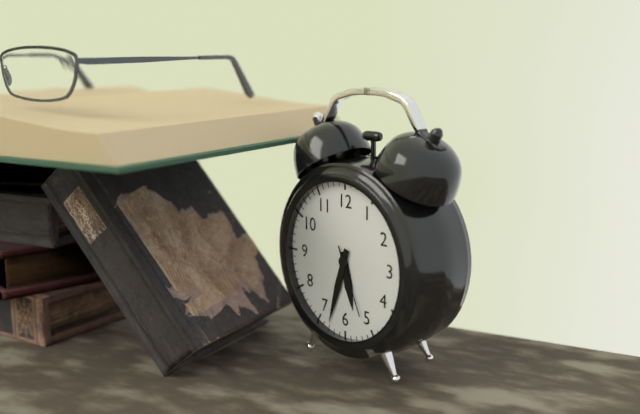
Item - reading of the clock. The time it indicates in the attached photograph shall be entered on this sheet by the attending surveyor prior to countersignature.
5:33:26
